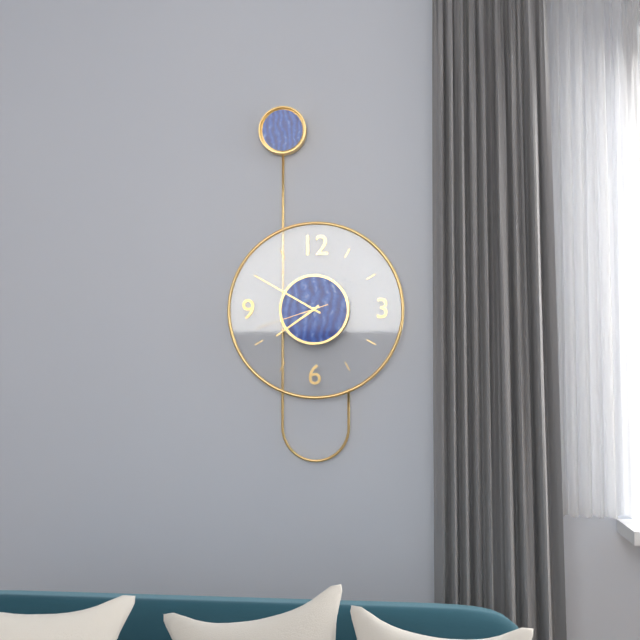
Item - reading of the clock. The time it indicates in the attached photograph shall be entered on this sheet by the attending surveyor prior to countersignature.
7:50:42
